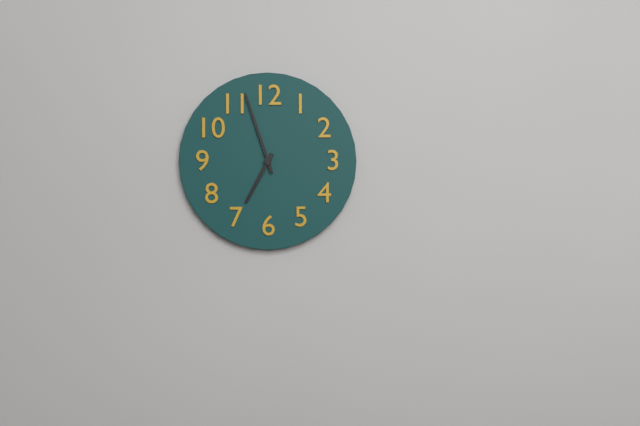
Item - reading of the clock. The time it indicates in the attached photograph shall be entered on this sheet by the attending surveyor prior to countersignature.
6:57
